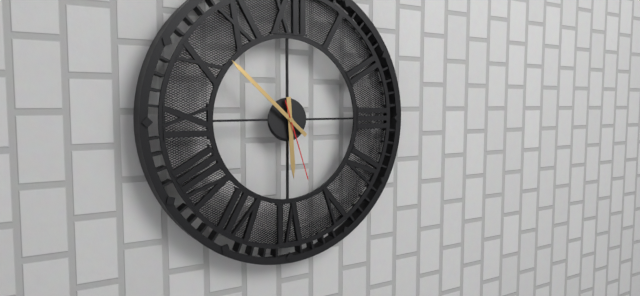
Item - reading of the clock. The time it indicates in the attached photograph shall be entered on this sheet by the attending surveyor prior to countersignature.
5:52:27
